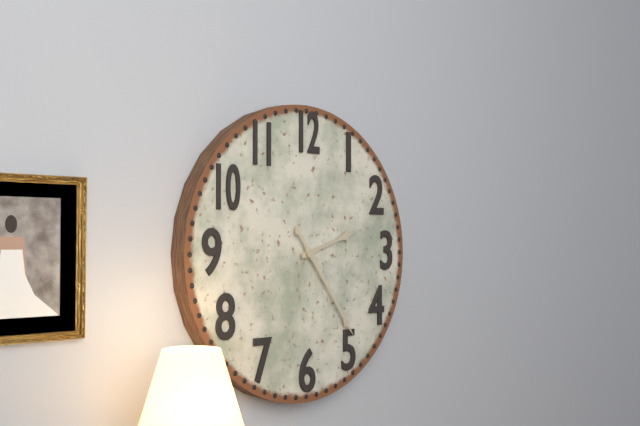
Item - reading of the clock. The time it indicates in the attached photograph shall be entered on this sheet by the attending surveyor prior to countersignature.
2:24
